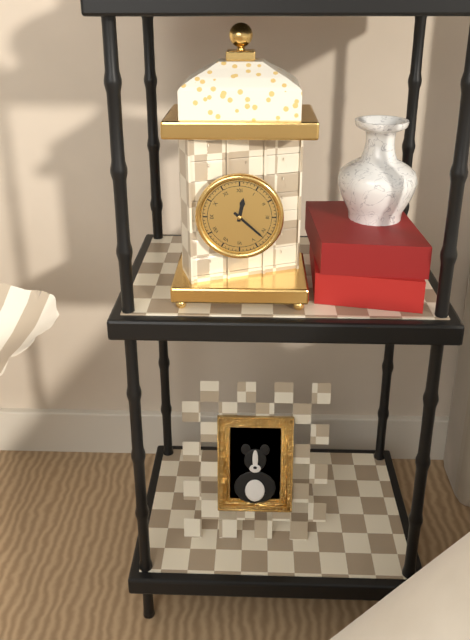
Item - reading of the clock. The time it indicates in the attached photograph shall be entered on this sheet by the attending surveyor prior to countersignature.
12:22
